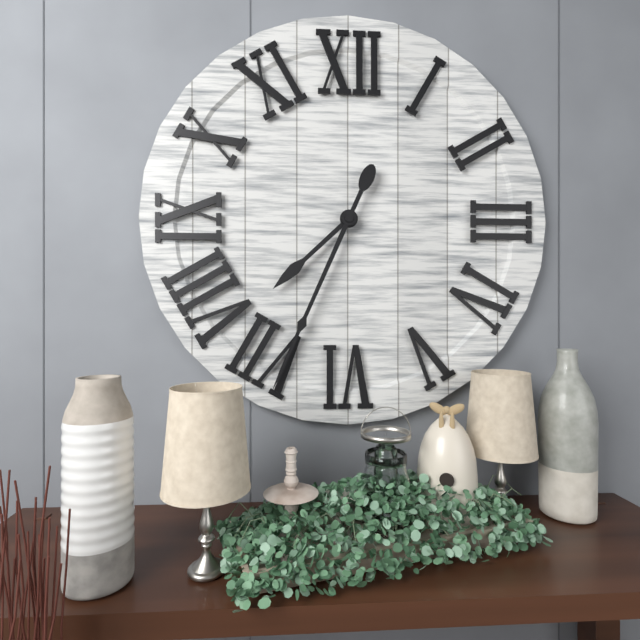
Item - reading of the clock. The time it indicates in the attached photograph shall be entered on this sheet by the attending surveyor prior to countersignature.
7:34
